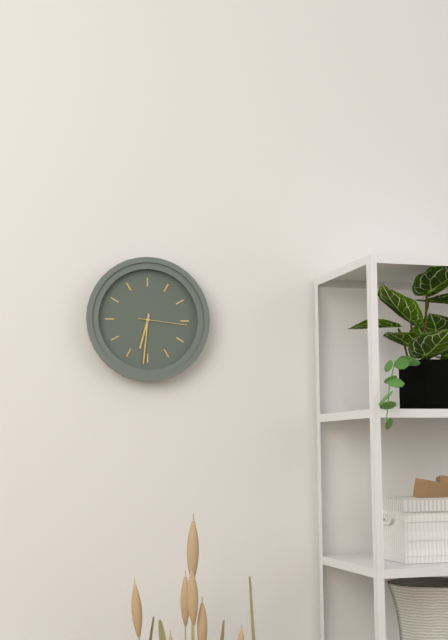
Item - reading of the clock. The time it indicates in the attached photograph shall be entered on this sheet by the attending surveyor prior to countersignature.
6:31:16
